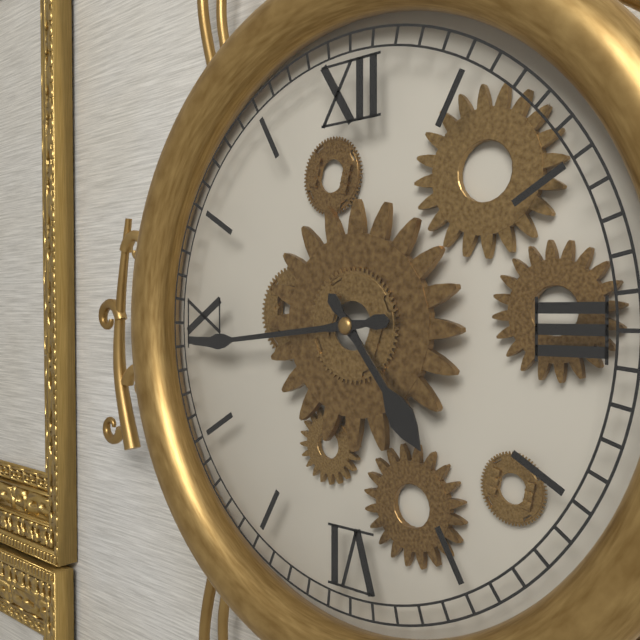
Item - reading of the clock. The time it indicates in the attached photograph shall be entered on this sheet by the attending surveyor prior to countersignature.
4:44
